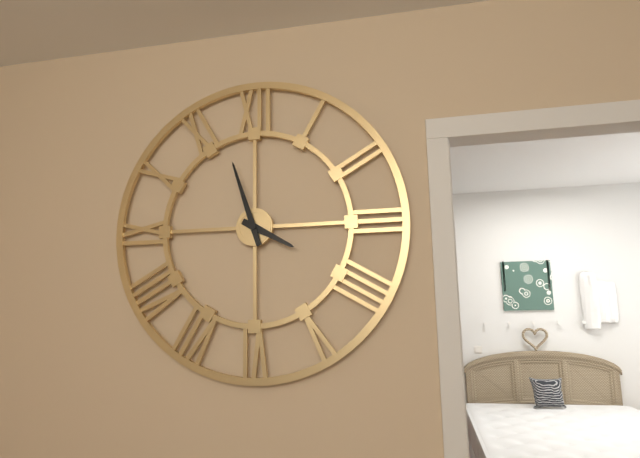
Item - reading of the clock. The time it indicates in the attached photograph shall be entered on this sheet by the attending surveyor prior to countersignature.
3:57
